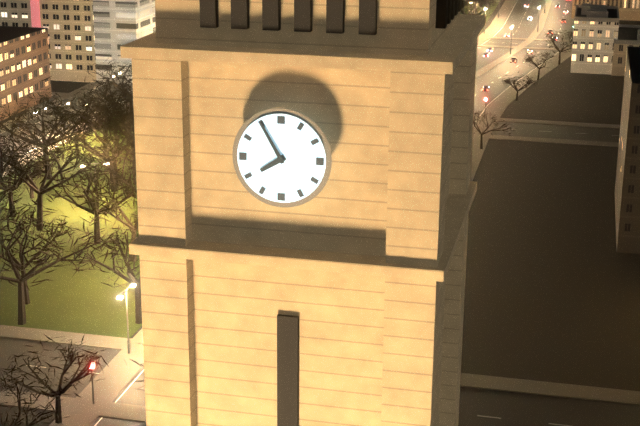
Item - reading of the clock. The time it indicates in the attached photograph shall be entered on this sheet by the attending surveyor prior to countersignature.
7:55
